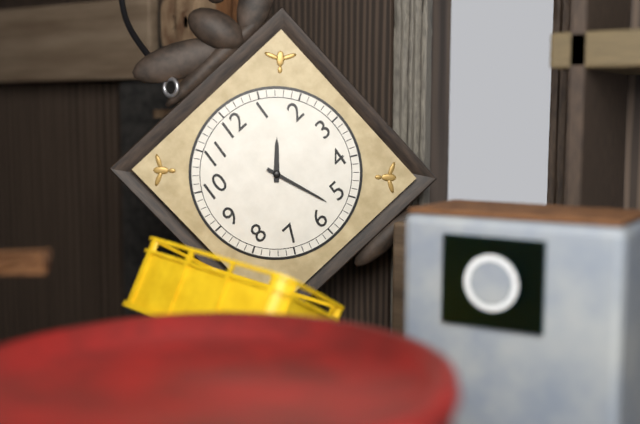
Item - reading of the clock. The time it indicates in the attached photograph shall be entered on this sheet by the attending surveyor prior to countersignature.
1:27
